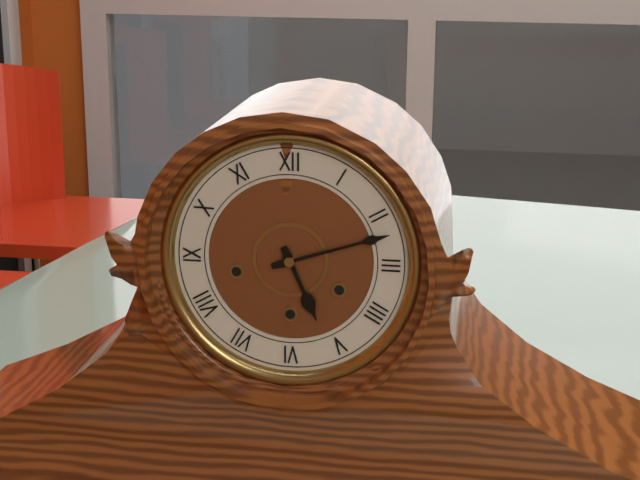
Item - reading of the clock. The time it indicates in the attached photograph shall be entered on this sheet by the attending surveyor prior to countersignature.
5:12
